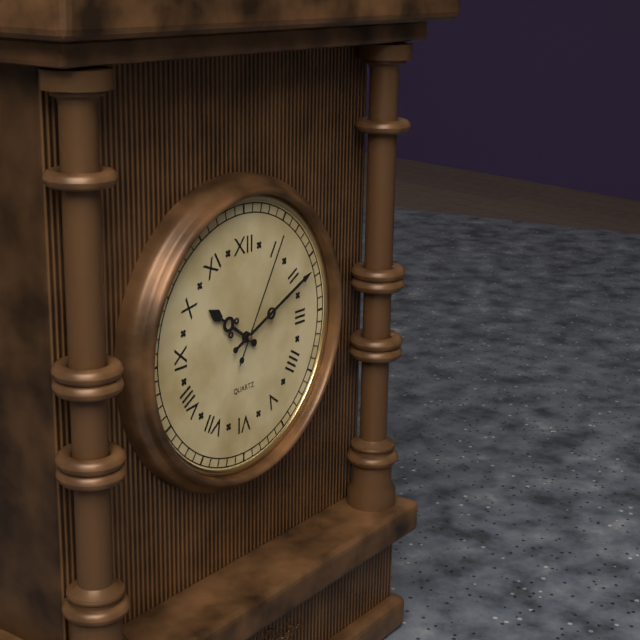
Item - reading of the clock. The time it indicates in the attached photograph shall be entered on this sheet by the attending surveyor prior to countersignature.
10:11:05
